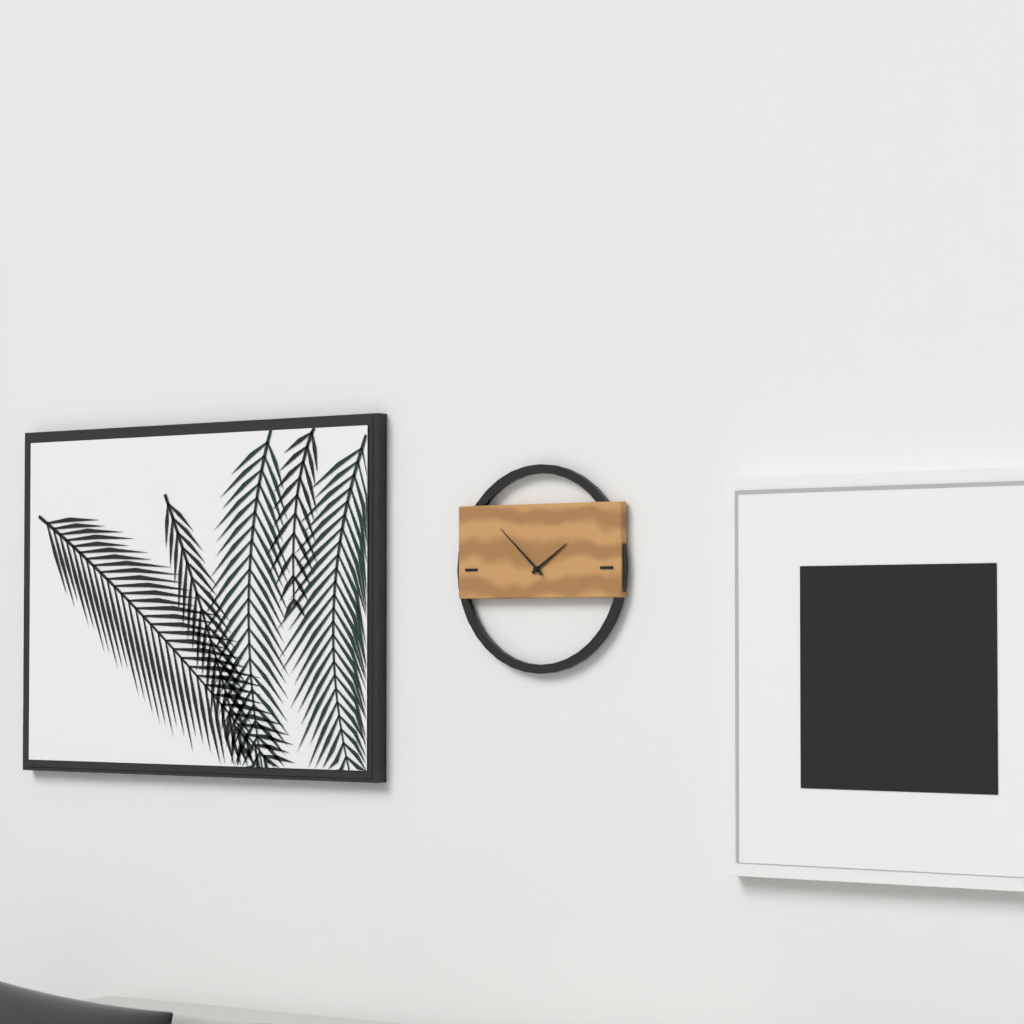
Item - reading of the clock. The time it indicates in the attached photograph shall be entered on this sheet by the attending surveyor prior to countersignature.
1:52
